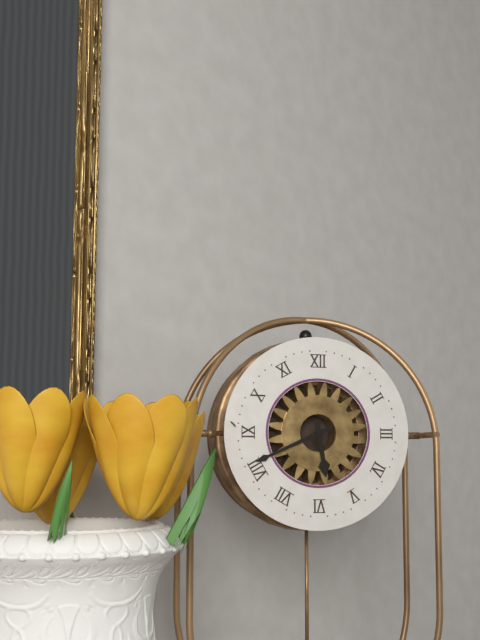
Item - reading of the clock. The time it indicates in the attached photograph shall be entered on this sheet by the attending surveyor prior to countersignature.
5:41
